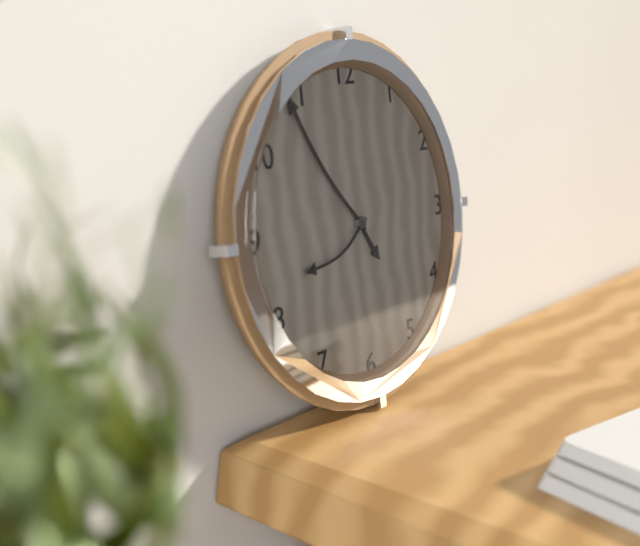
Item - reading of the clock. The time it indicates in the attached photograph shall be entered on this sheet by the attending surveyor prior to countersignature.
4:54:41
